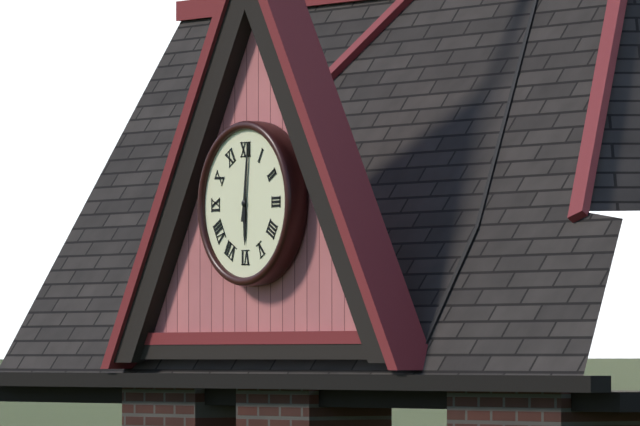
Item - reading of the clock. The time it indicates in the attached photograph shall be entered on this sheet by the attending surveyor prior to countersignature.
6:01
